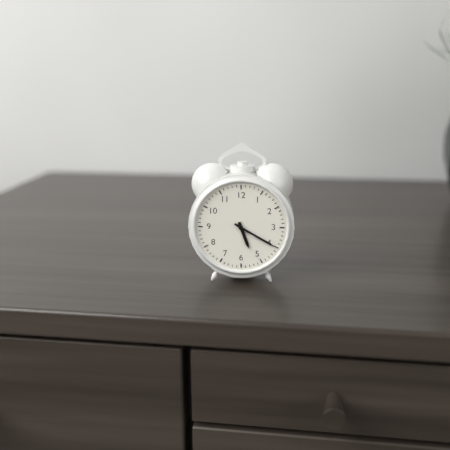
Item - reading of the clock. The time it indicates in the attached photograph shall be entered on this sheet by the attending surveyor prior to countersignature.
5:20
